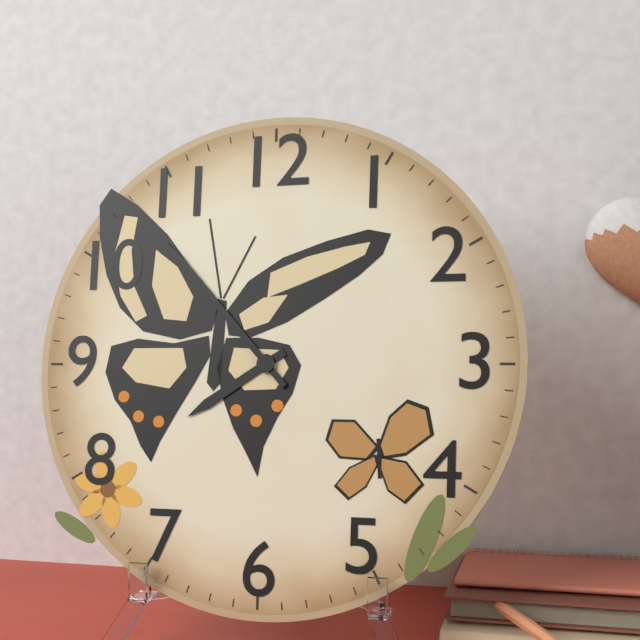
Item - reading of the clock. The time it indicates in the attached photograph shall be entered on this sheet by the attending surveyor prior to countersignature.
7:53
